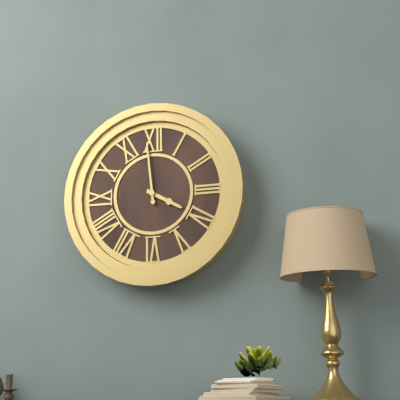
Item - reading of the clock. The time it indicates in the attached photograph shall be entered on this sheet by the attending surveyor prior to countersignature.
3:59
